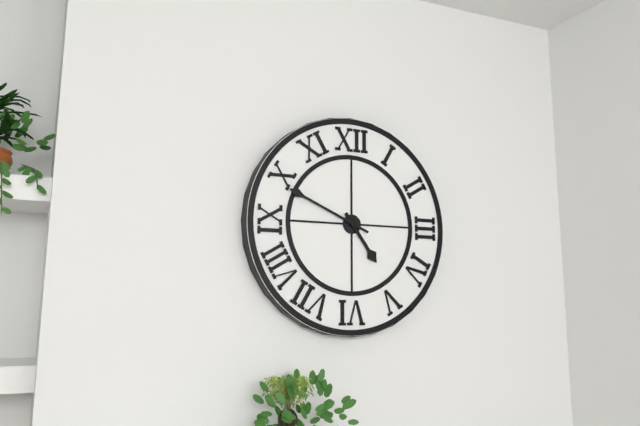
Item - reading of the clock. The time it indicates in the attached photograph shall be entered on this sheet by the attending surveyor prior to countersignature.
4:49
